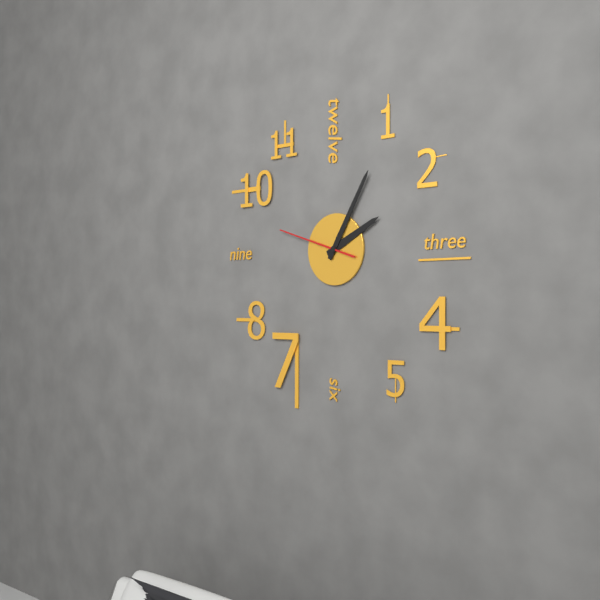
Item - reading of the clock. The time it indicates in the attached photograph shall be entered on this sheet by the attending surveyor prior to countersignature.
2:05:48
